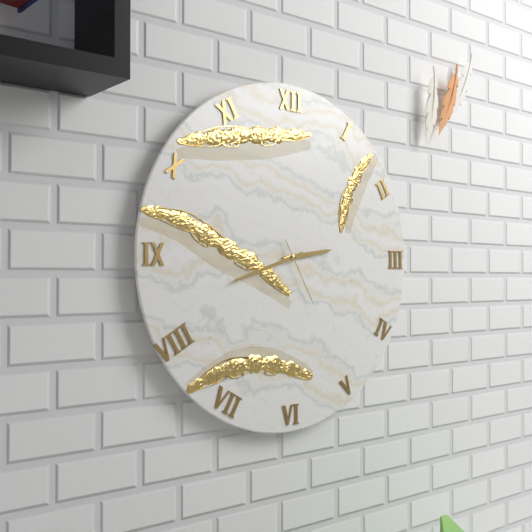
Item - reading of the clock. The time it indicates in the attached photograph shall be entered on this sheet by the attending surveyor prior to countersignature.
2:42:25
